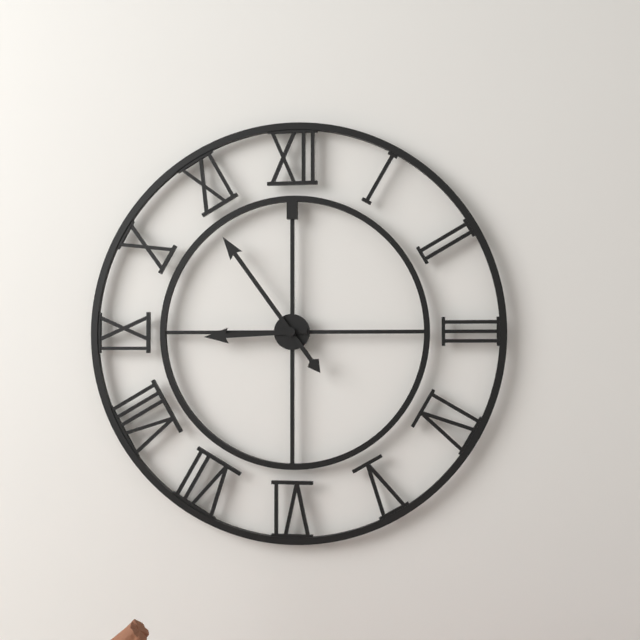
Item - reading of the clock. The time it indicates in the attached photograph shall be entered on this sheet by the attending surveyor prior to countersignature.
8:54
